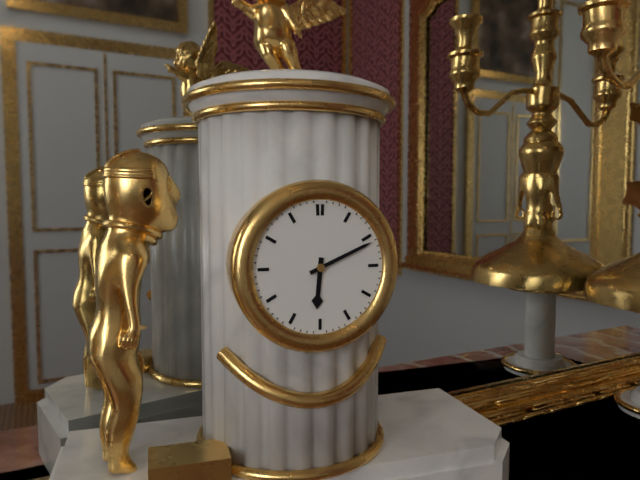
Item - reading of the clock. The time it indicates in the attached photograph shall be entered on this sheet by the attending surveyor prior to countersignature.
6:11
